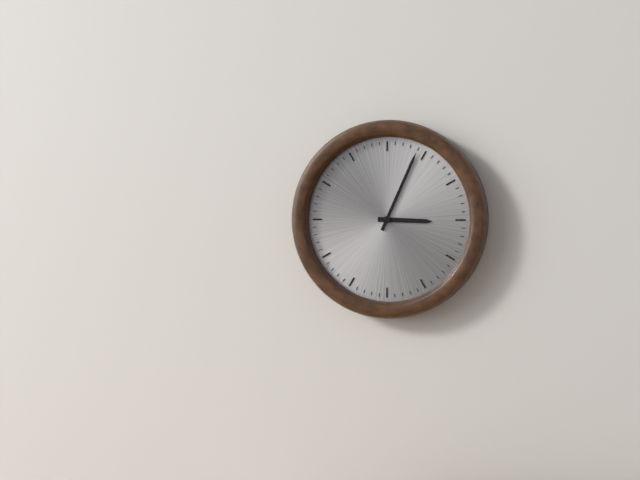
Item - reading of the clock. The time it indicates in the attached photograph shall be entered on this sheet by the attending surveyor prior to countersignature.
3:04
